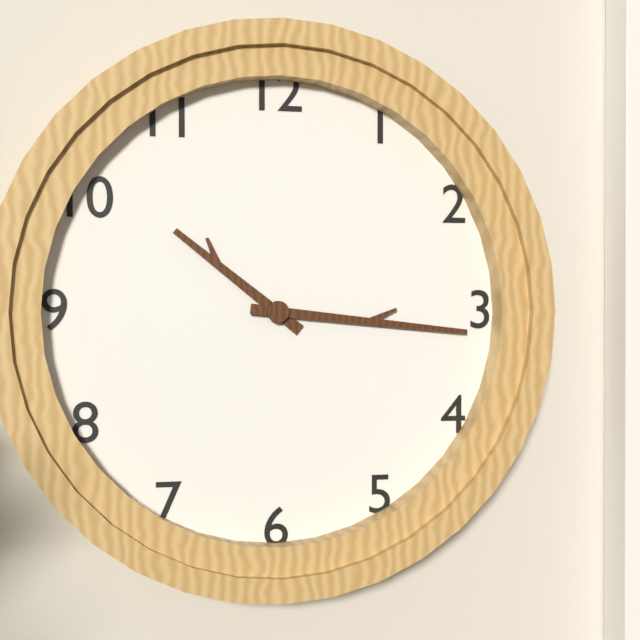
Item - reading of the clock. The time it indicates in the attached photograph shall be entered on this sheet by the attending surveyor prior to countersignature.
10:16
